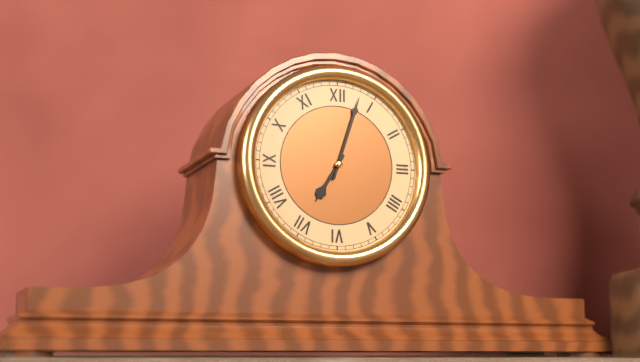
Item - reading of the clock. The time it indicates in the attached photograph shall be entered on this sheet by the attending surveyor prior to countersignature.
7:03
